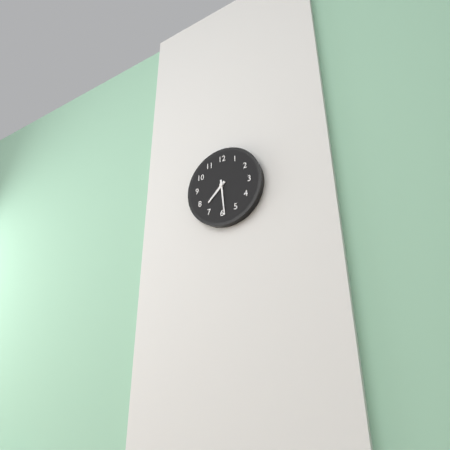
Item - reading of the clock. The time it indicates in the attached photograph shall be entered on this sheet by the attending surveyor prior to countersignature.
7:29
